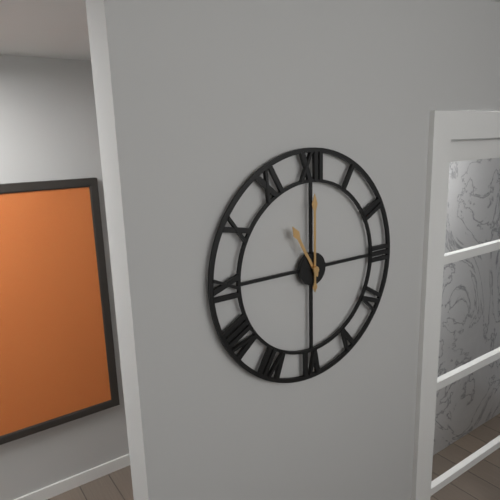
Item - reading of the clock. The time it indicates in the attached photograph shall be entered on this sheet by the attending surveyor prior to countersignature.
11:00
